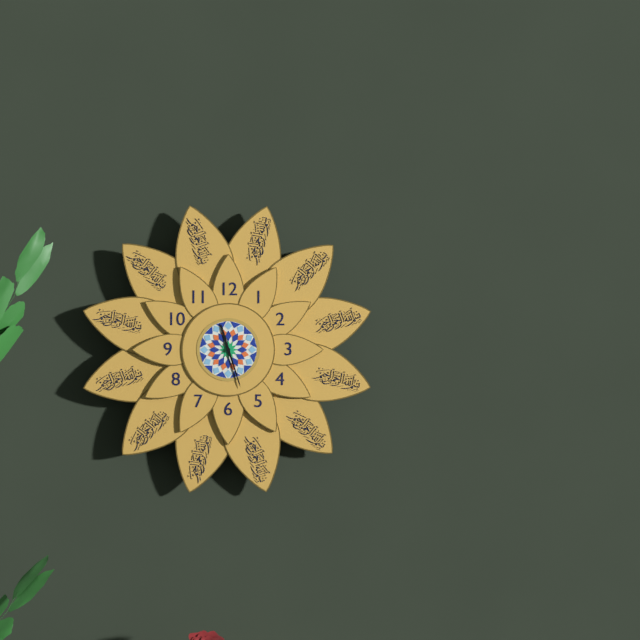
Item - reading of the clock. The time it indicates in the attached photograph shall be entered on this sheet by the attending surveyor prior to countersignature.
11:27
